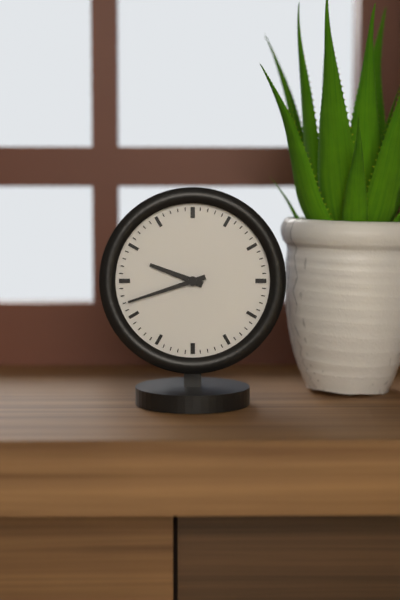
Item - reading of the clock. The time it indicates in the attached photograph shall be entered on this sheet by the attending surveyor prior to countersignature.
9:42
